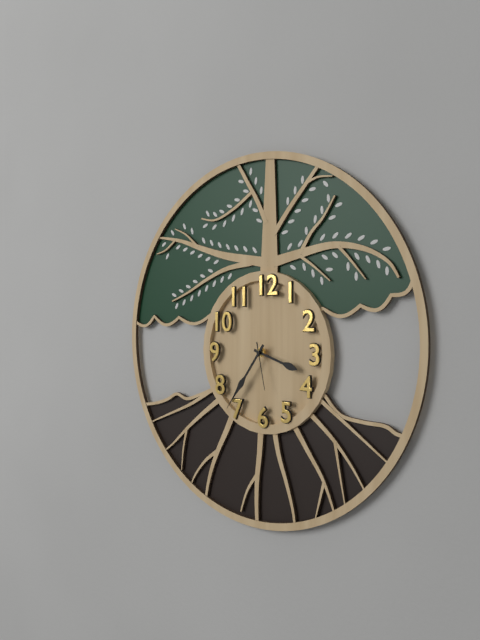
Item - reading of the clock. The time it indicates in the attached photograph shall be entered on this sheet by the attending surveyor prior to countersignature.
3:36
